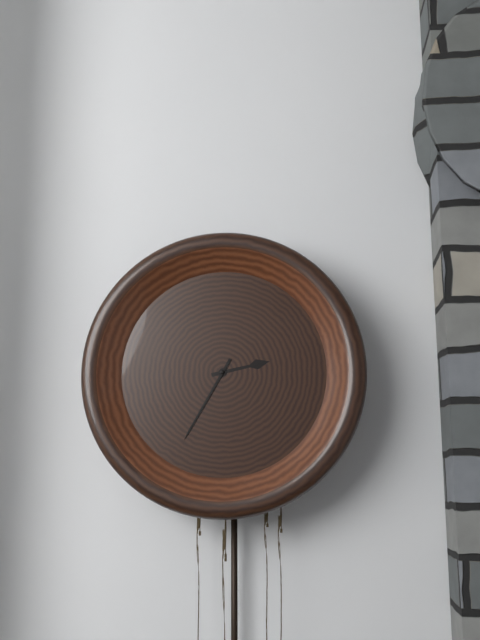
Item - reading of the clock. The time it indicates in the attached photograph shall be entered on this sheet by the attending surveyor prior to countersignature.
2:35
